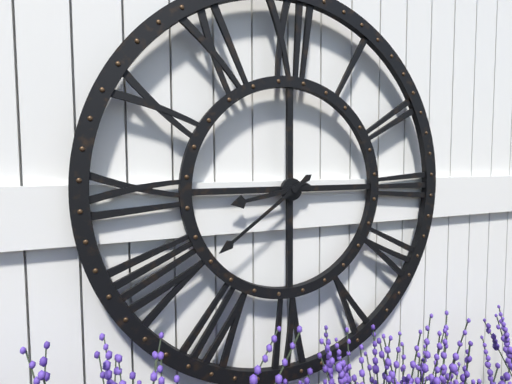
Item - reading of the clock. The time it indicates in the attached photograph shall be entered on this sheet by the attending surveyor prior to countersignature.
8:39
